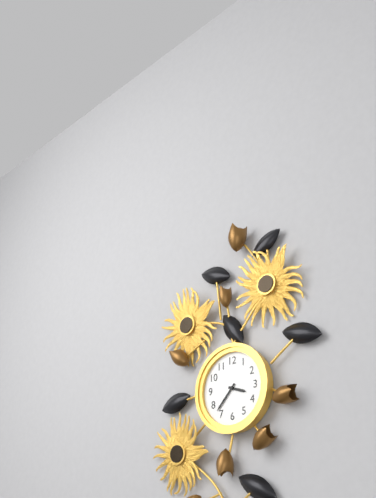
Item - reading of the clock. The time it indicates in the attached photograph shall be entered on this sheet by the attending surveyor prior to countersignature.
3:37
